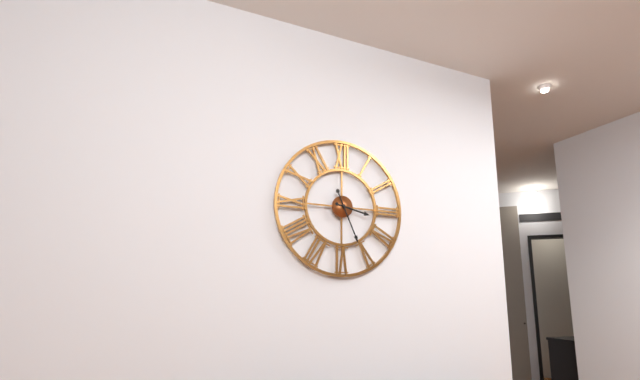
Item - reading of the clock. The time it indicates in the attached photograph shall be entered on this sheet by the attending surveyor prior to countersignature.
3:26
